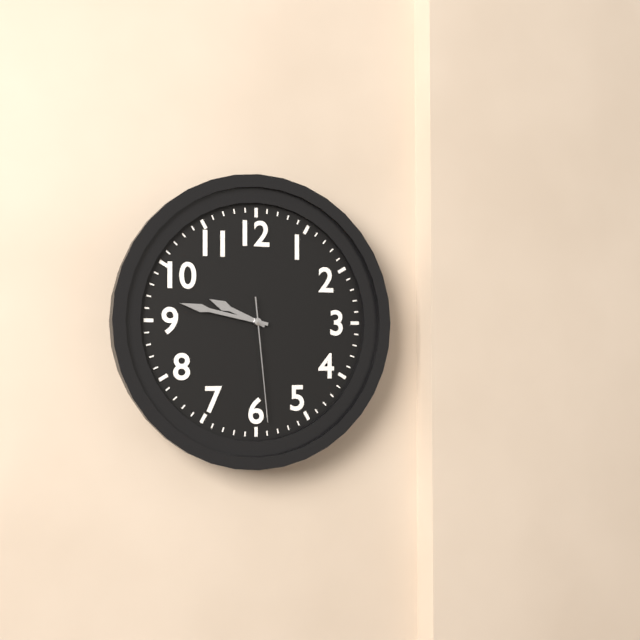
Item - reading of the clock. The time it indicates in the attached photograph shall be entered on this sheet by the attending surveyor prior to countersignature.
9:47:29
